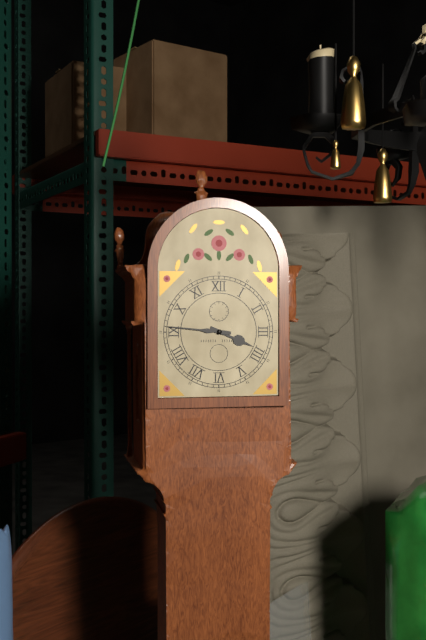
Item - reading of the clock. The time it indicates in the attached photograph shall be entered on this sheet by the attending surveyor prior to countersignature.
3:46
